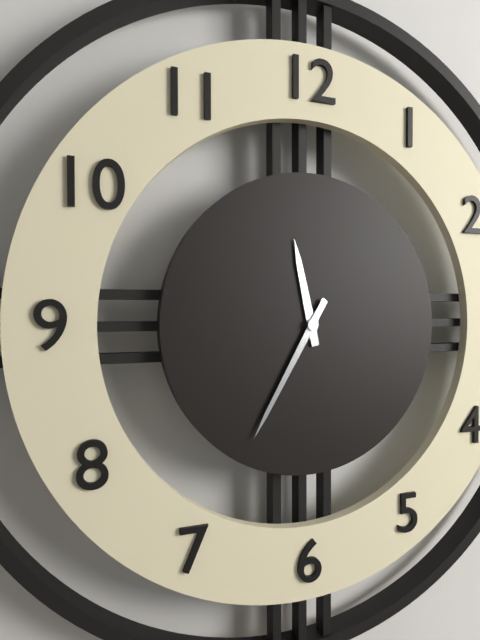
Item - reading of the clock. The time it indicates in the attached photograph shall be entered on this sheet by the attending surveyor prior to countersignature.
11:35
